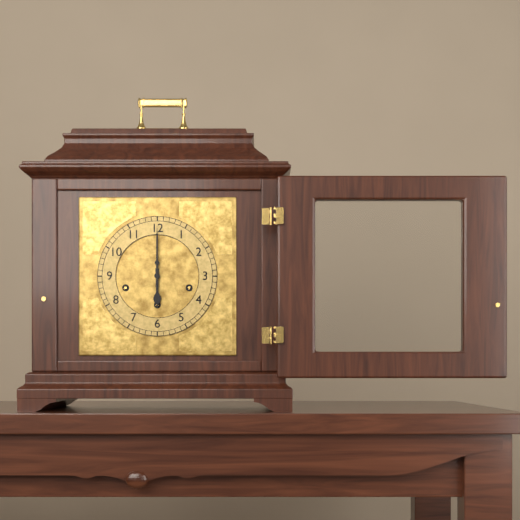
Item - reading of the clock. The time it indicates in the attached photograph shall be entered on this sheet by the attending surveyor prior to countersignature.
6:00
